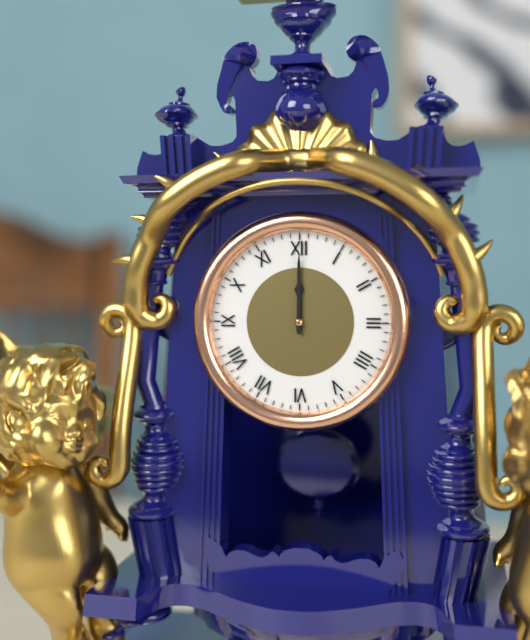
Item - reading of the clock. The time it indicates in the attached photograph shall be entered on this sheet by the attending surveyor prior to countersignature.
12:00
